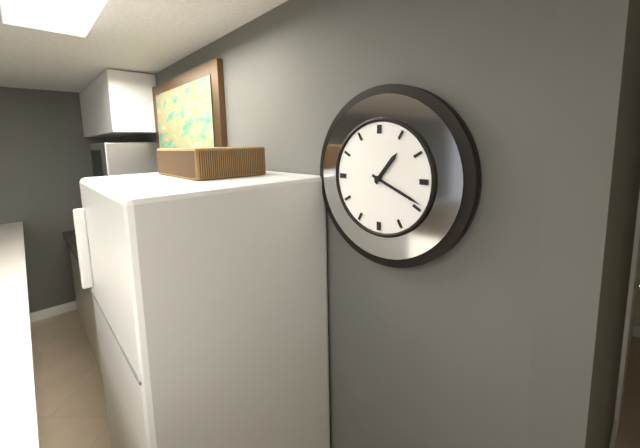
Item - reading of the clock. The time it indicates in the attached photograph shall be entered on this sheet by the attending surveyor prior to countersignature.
1:19
